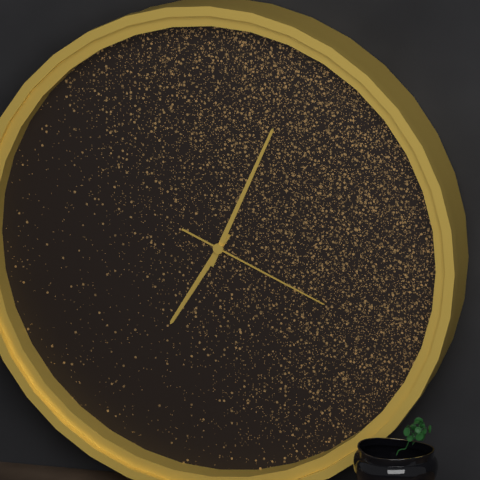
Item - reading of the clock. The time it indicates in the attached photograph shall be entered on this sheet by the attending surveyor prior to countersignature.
7:04:19
